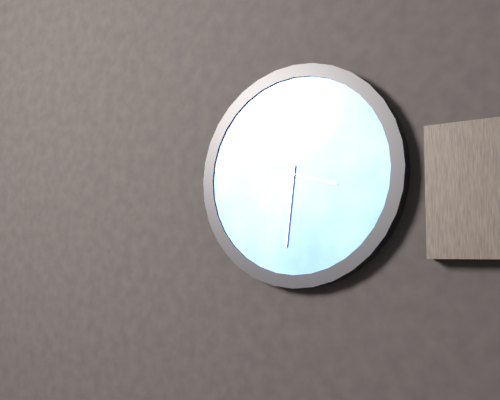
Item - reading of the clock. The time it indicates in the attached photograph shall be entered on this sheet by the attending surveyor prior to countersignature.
3:31
